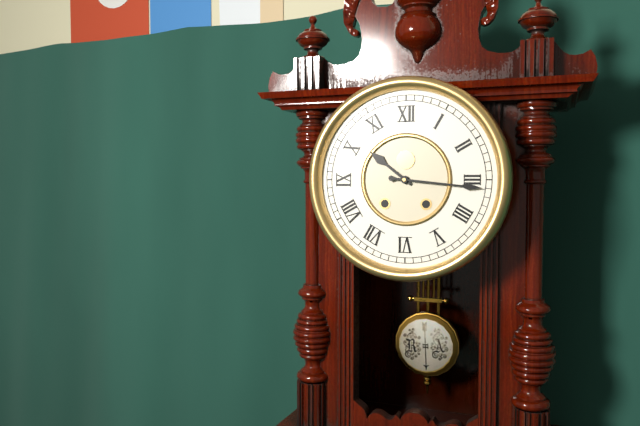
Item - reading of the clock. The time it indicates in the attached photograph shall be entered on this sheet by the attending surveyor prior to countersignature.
10:16
